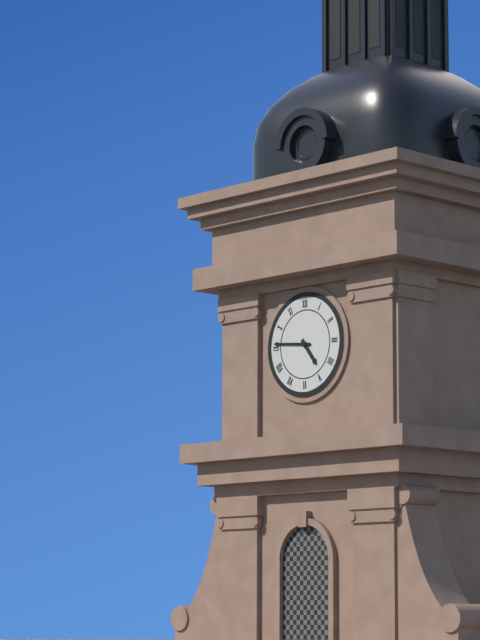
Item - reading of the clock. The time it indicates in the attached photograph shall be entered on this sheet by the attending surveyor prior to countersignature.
4:46
